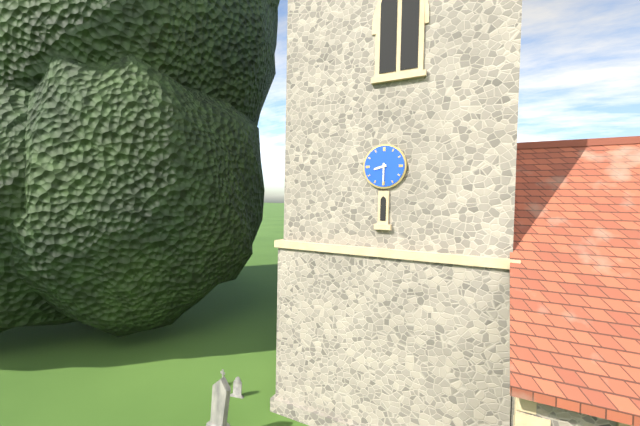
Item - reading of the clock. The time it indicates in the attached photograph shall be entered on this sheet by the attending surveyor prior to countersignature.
8:30
